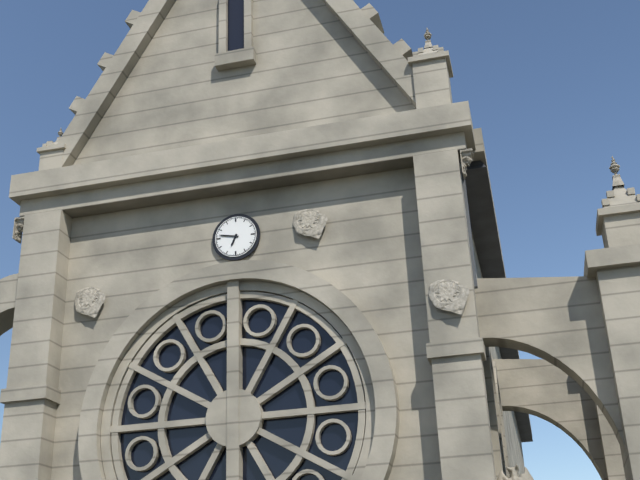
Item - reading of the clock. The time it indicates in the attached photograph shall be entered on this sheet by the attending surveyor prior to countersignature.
6:47
